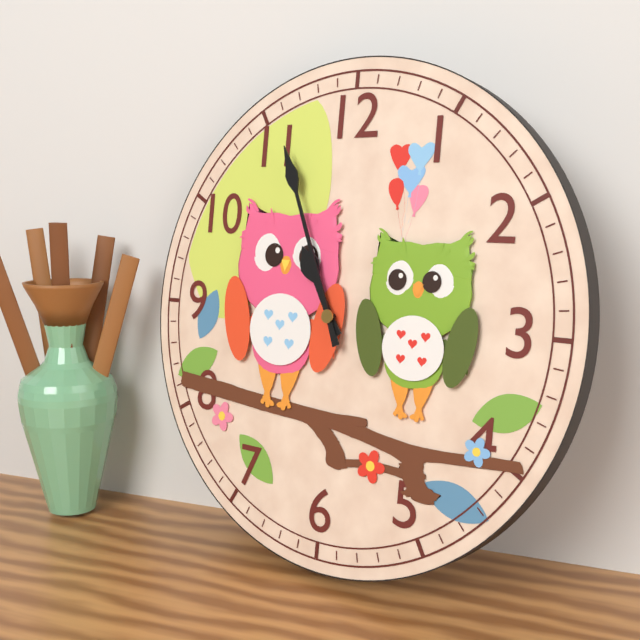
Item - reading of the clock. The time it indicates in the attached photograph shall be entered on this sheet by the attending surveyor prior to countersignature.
10:56
